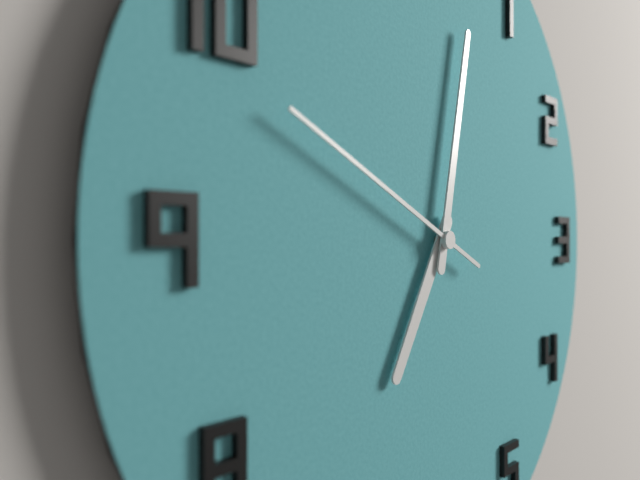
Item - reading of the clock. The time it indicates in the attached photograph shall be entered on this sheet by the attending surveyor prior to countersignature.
7:02:49
